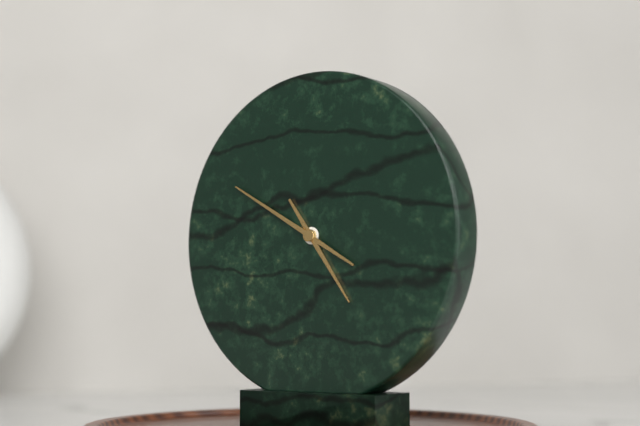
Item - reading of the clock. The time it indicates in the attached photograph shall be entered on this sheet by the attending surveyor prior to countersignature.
4:50
